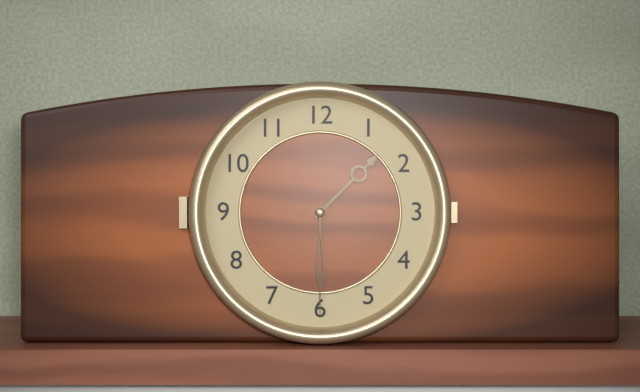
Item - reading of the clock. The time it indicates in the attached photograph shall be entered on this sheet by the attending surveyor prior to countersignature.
1:30
